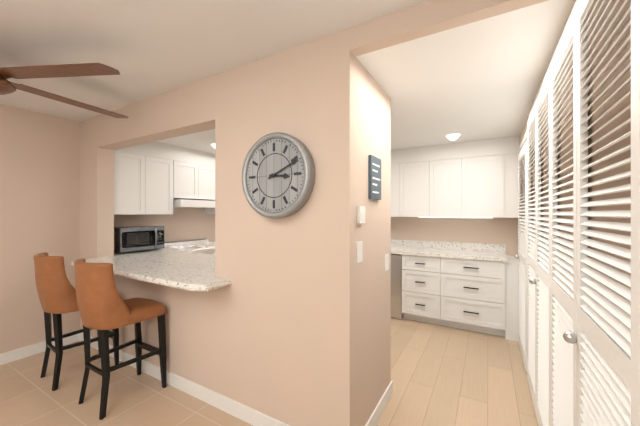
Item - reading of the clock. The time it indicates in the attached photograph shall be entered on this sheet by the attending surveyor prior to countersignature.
3:11
